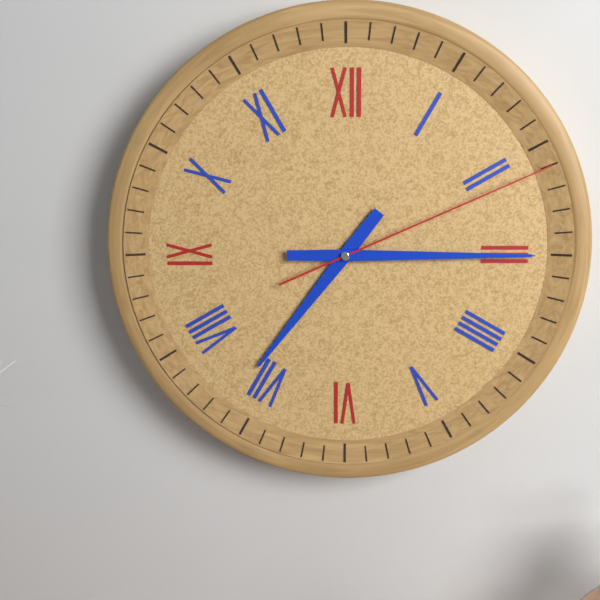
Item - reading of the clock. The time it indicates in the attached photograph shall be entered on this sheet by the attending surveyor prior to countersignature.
7:15:11
